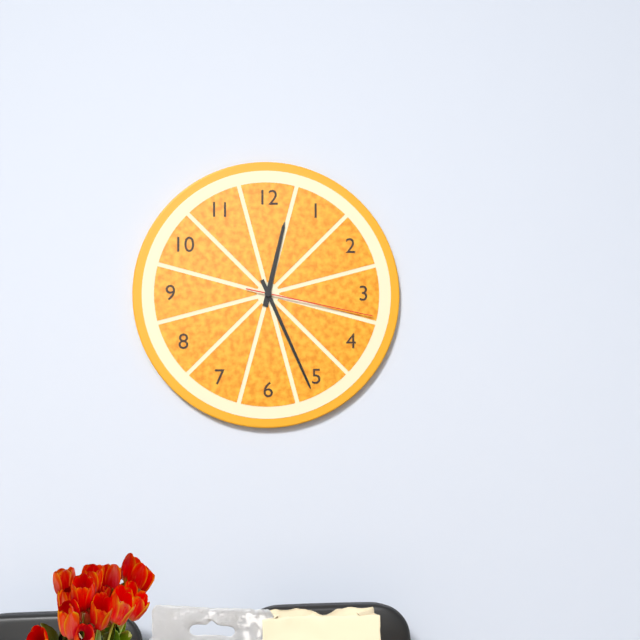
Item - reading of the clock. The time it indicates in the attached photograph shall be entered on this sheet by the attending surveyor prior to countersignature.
12:26:17
